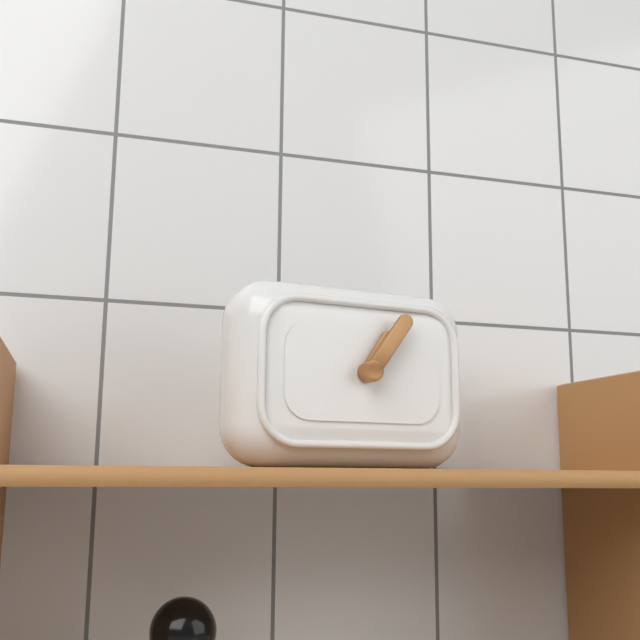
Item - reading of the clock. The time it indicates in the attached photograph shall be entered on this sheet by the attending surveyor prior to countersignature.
1:06
